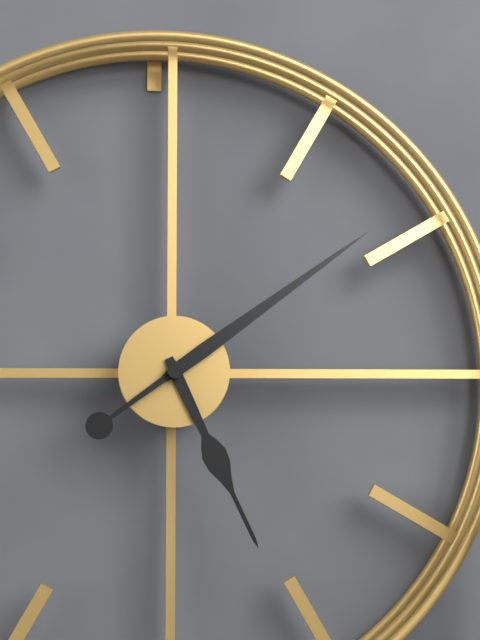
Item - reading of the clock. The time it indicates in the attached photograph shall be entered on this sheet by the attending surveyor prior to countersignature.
5:09
